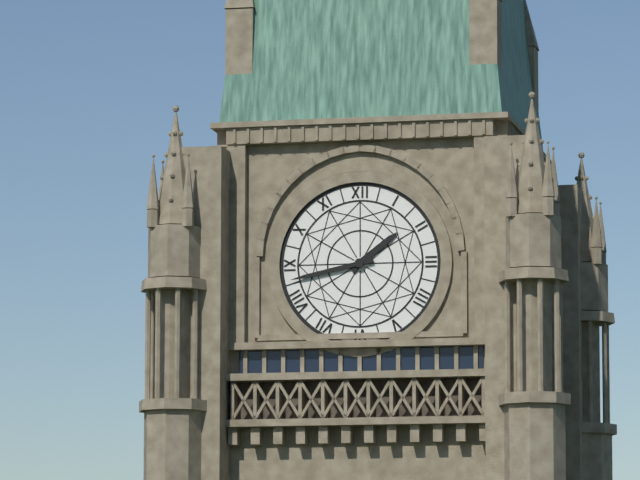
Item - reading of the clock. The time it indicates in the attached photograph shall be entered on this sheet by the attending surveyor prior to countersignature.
1:43
